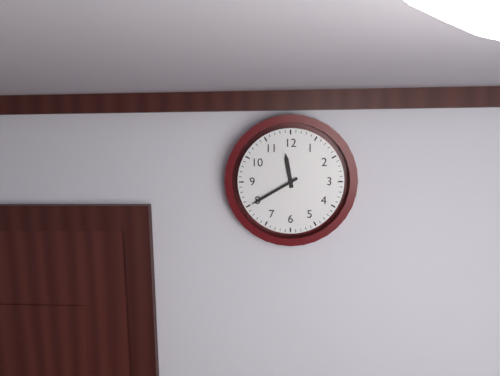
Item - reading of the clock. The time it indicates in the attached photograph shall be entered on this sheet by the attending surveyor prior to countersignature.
11:40
